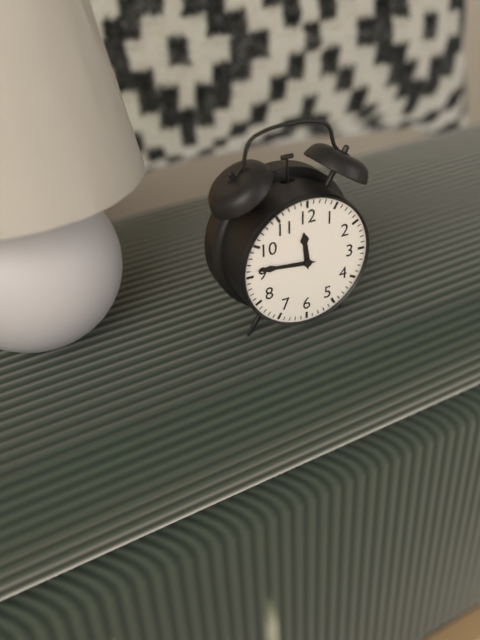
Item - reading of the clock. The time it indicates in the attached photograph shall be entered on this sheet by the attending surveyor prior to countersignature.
11:46
